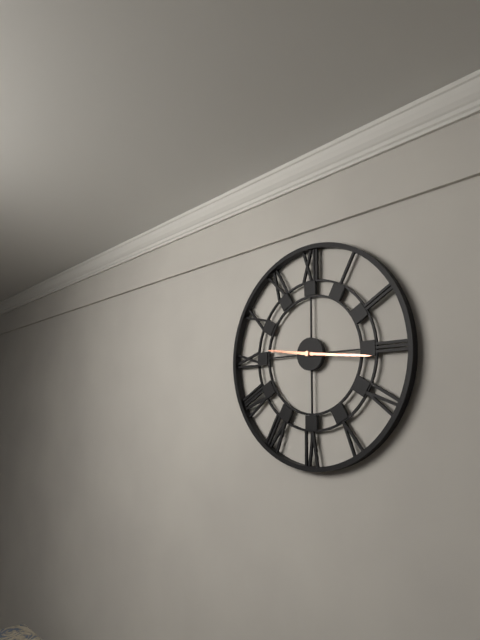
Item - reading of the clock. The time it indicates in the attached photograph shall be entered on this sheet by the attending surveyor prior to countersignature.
9:16
